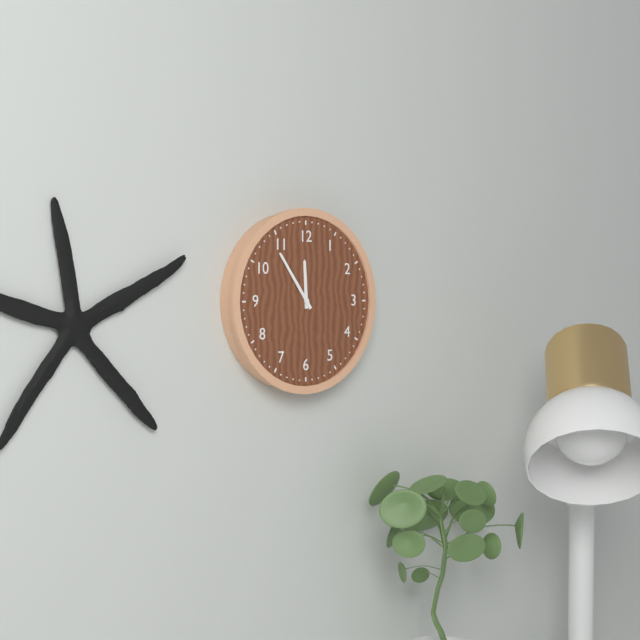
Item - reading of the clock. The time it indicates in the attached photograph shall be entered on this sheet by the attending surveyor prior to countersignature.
11:54
